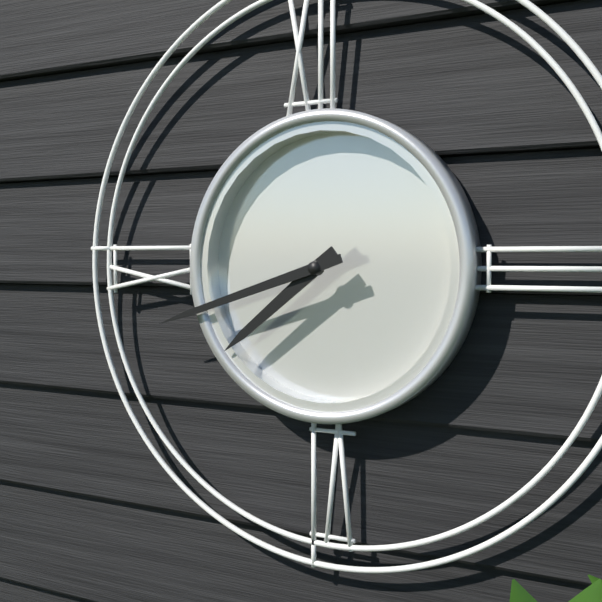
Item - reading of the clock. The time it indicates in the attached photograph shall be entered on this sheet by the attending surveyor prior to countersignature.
7:42
